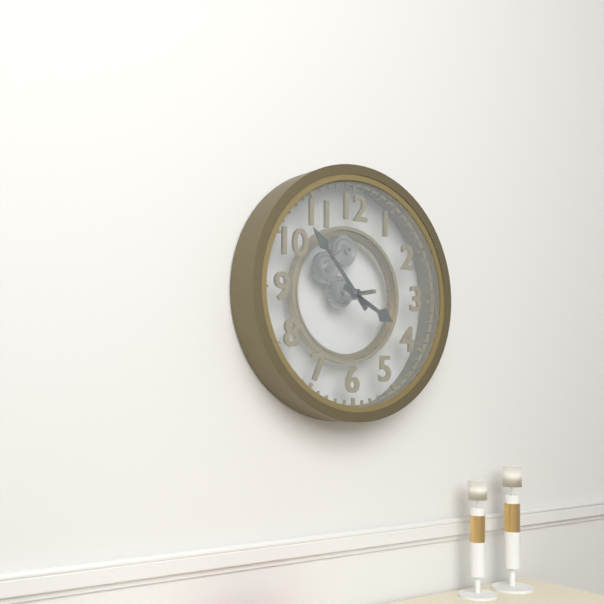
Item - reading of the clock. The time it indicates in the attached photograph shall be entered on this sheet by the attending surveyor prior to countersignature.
3:53
